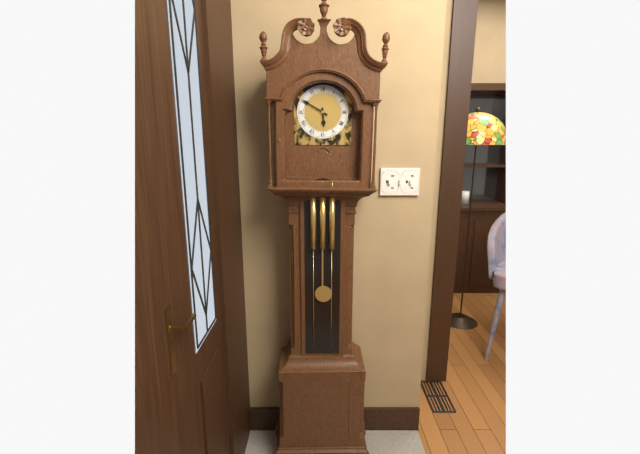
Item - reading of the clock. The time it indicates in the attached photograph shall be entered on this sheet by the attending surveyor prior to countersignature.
5:50
